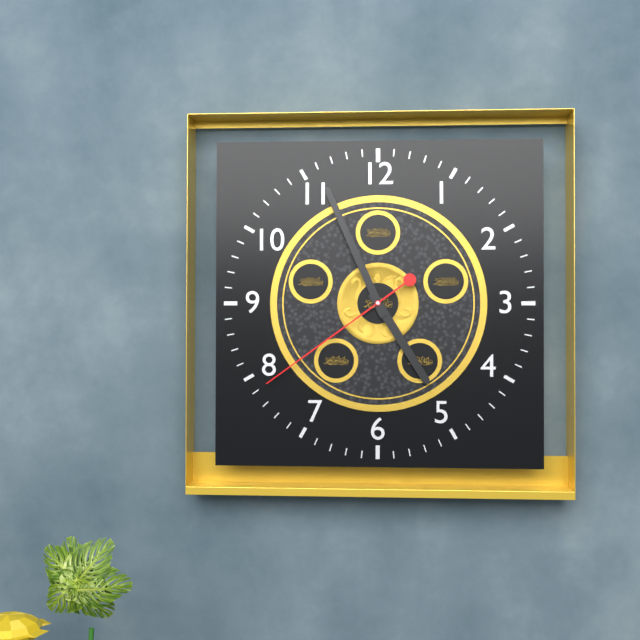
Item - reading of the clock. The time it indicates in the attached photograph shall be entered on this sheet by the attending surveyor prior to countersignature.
4:56:39
